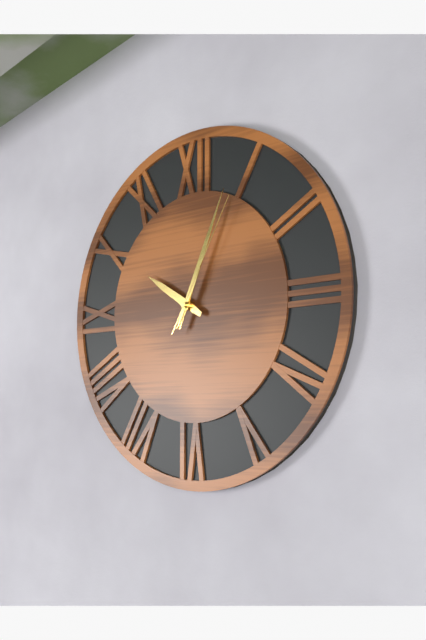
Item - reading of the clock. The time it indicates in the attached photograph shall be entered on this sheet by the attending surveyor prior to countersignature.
10:04:05
